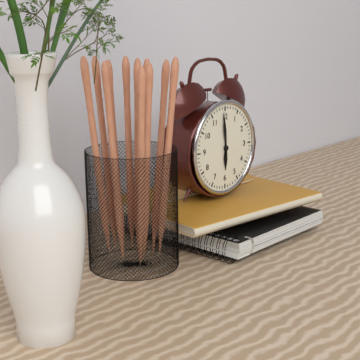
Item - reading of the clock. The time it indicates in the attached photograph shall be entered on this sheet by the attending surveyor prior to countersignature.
5:59
